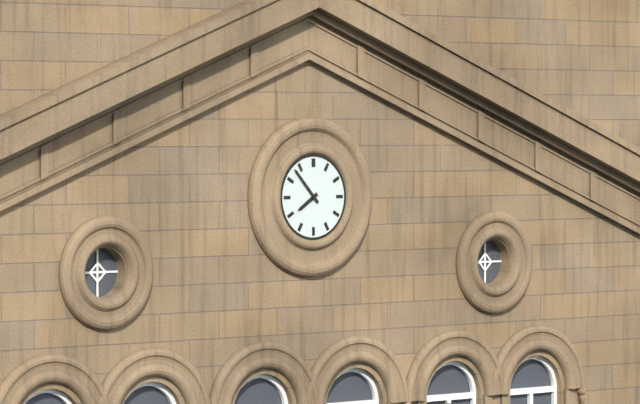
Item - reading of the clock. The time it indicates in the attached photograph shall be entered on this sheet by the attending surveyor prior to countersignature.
7:53
